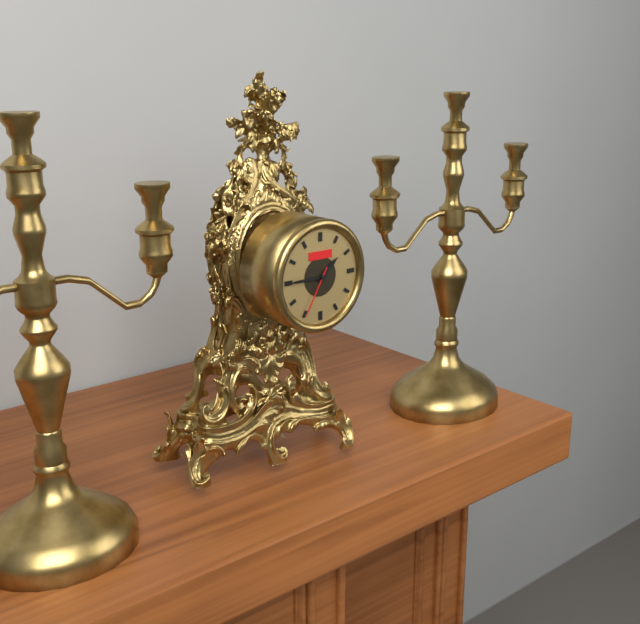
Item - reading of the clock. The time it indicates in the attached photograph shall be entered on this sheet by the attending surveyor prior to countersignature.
1:45:35
